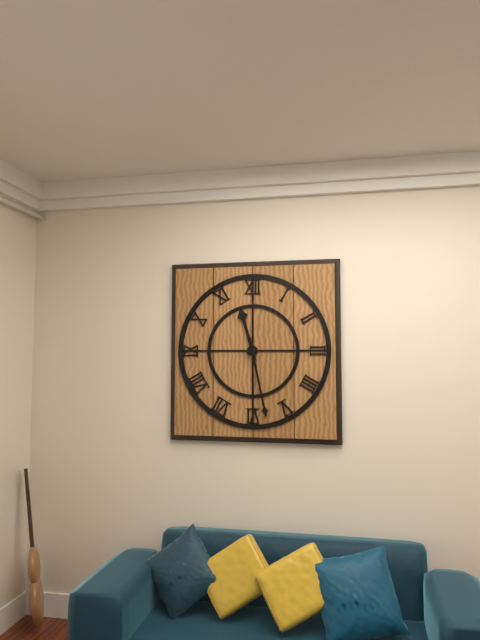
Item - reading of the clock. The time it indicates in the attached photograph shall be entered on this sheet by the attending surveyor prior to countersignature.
11:28
